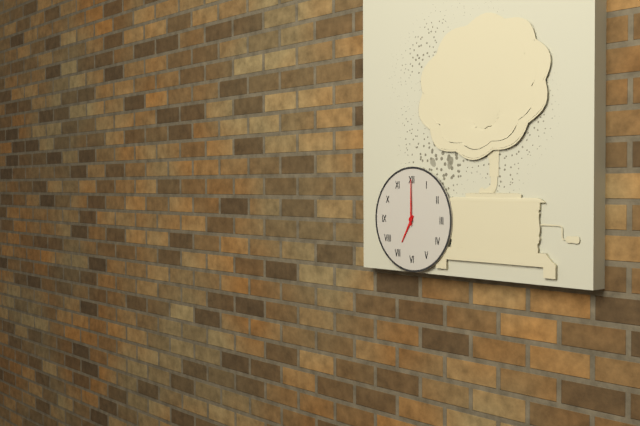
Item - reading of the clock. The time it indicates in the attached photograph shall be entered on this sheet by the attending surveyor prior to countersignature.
7:00
